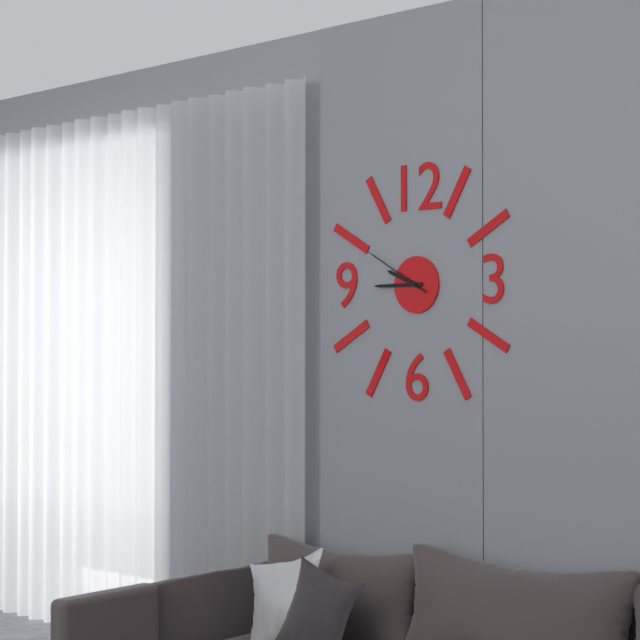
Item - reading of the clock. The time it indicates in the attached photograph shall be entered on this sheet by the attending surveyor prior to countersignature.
9:45:50
